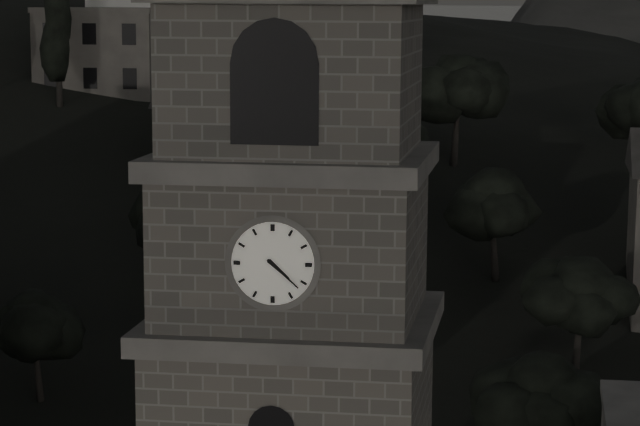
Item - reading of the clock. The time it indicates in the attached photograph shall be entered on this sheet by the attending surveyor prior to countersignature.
4:22
